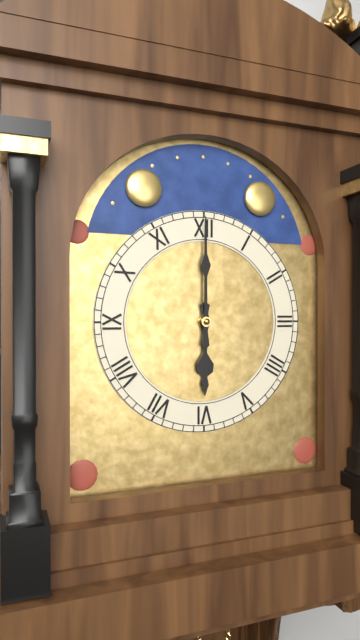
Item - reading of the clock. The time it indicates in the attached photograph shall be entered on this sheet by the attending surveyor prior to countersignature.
6:00
